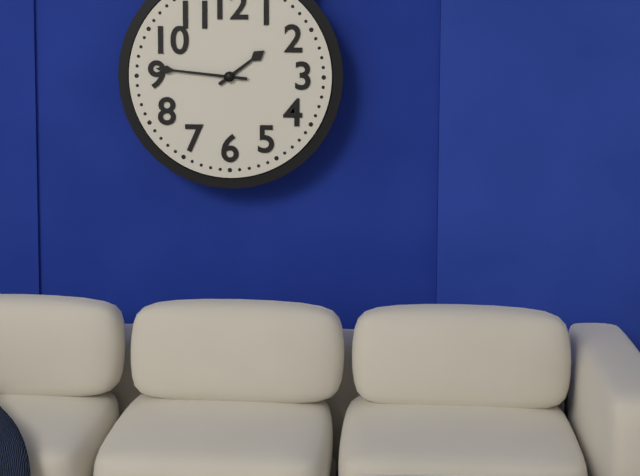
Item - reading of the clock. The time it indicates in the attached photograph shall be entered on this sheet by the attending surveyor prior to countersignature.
1:46
